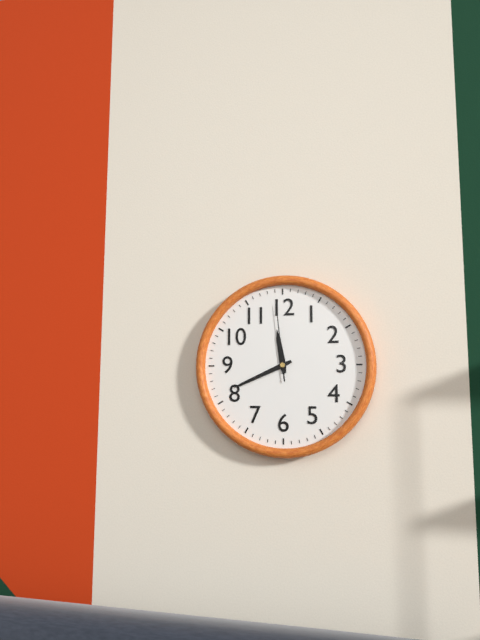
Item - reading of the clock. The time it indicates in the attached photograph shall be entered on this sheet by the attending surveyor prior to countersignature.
11:41:59
